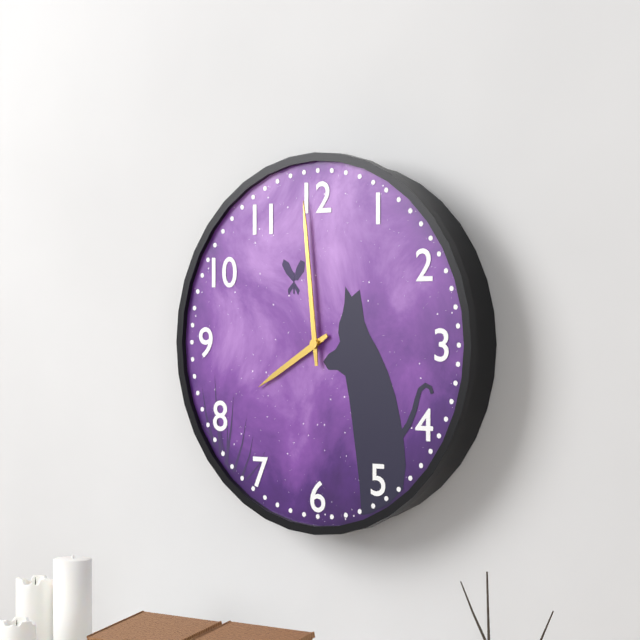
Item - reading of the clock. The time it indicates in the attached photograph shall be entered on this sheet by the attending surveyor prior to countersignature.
7:59
